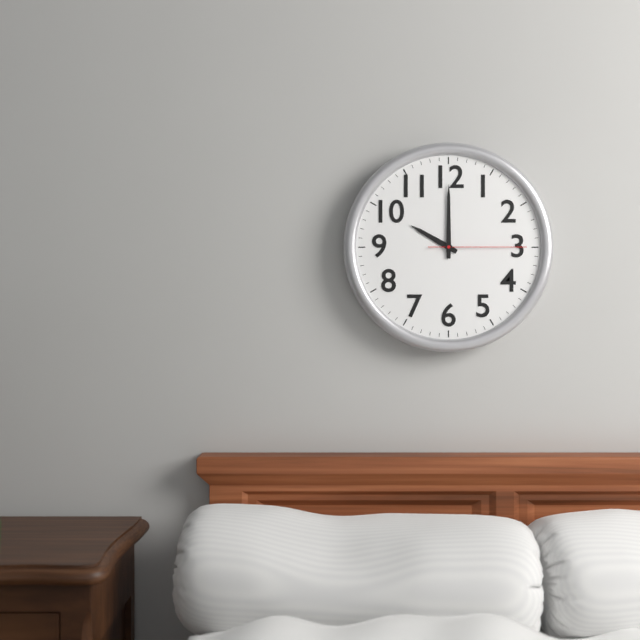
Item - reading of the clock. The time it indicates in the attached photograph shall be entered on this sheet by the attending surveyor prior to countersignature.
10:00:15
